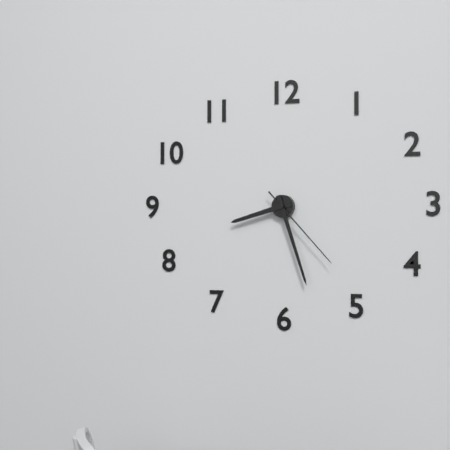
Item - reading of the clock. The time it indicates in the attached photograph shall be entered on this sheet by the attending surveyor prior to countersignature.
8:27:23
